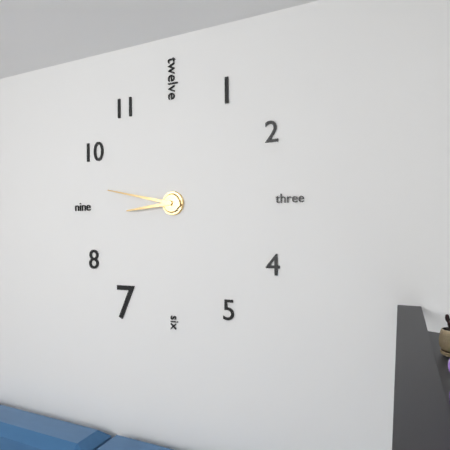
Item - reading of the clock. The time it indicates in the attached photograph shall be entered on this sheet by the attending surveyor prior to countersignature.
8:47
